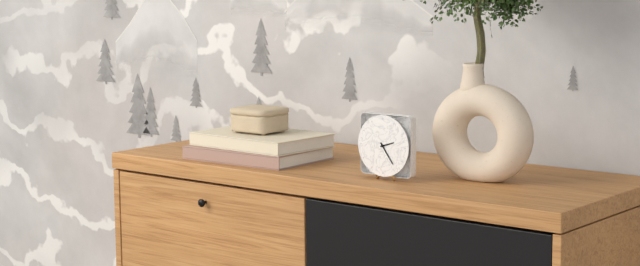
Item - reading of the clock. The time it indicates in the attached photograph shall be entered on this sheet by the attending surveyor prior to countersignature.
2:24
